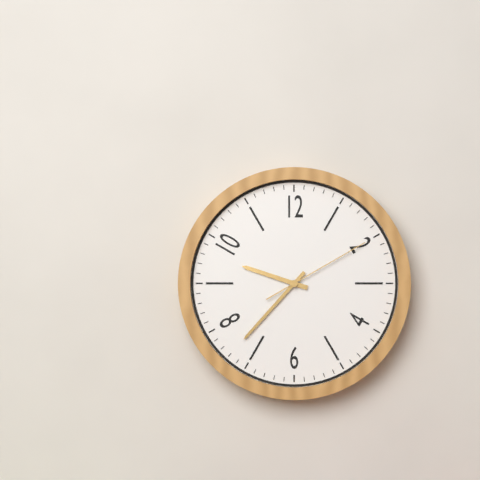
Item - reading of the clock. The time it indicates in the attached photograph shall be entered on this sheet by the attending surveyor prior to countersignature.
9:37:10
